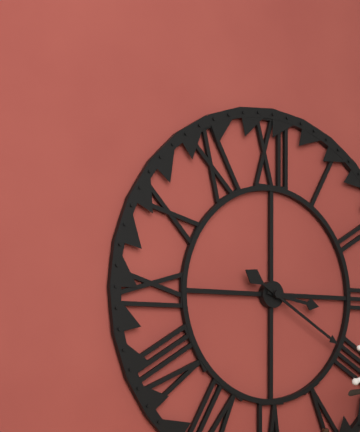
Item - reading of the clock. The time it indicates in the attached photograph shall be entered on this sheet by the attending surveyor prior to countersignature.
3:20
